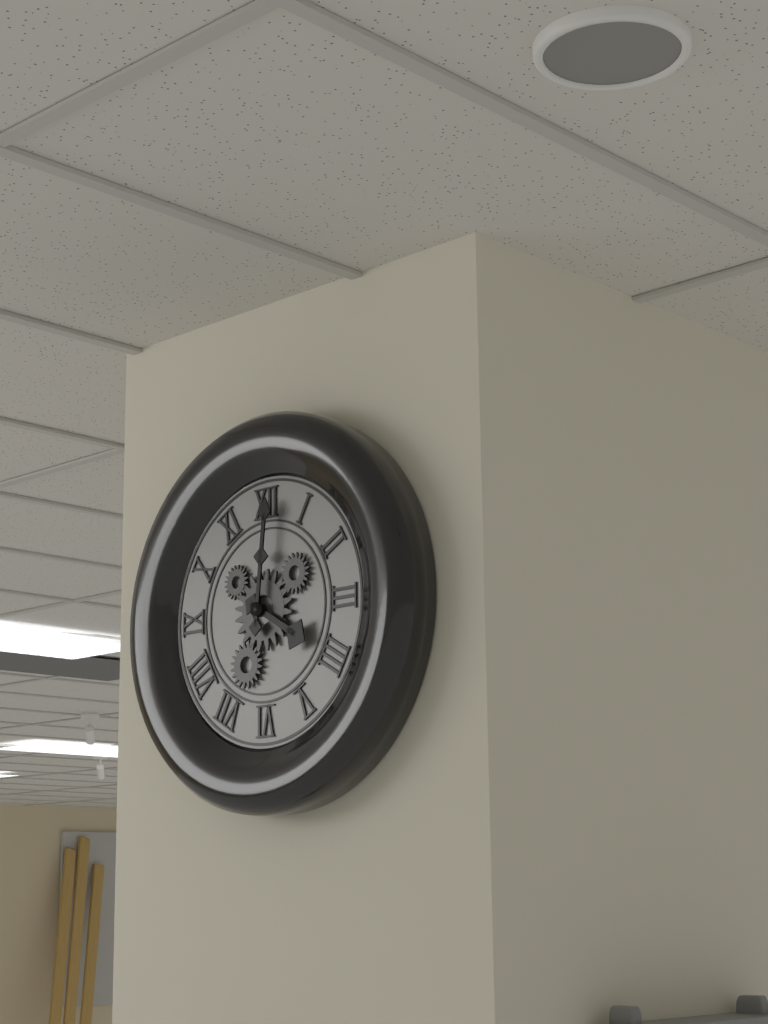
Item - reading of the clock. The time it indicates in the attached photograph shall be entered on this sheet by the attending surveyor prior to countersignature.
4:01
